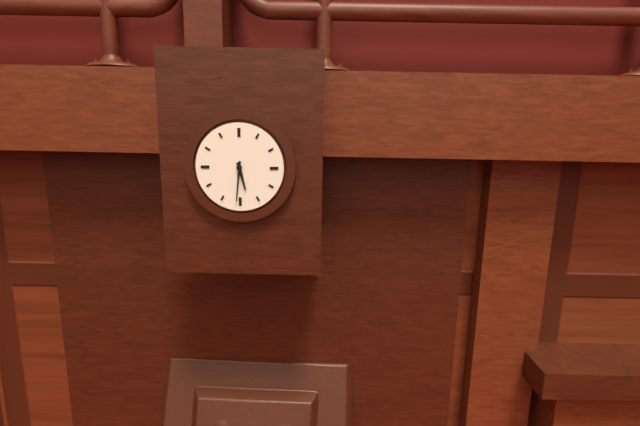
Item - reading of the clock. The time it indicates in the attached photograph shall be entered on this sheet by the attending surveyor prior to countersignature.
5:31
